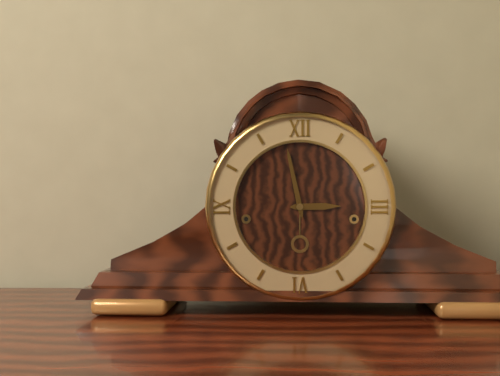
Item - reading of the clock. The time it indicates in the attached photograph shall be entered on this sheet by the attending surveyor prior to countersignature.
2:58
